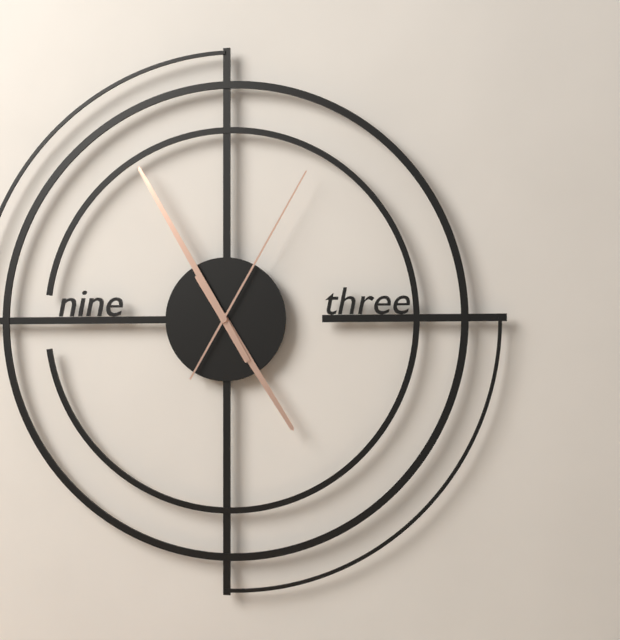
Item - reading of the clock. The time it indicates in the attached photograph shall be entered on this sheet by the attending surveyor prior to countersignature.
4:55:05
